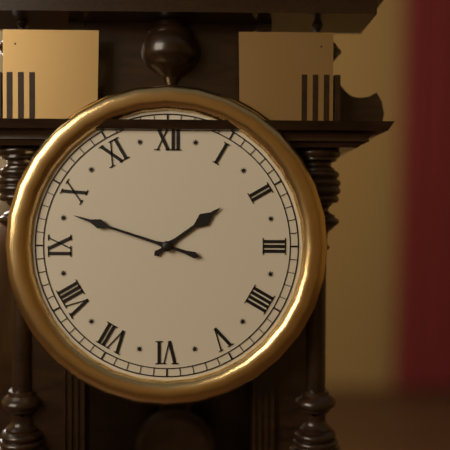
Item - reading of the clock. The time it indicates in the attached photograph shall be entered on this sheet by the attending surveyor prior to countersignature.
1:48
